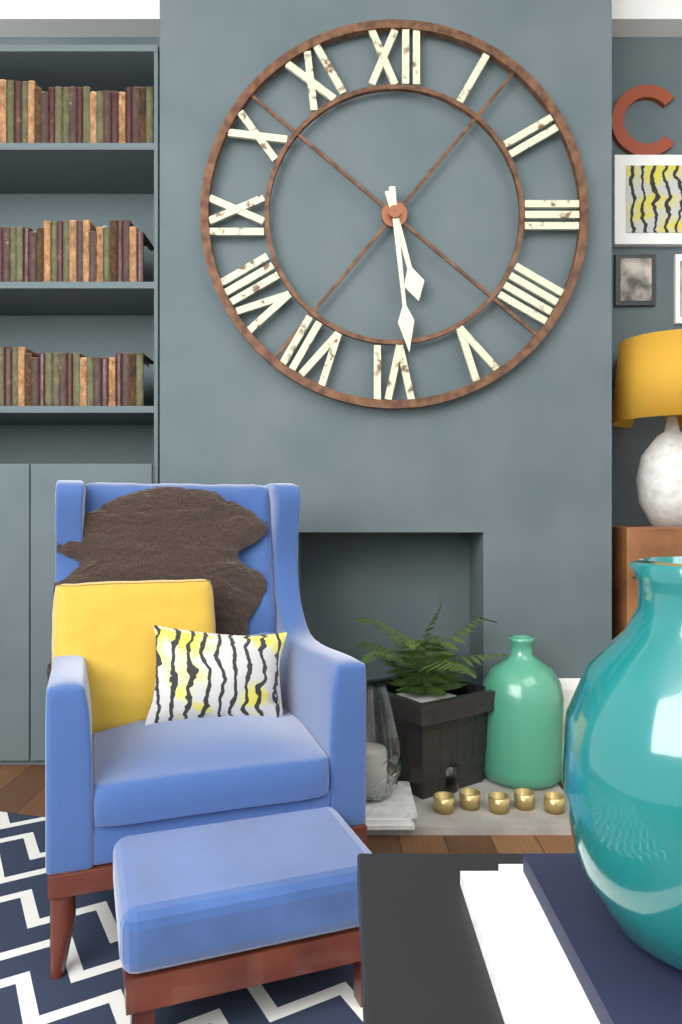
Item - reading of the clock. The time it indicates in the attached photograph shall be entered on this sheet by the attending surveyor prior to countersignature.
5:29
